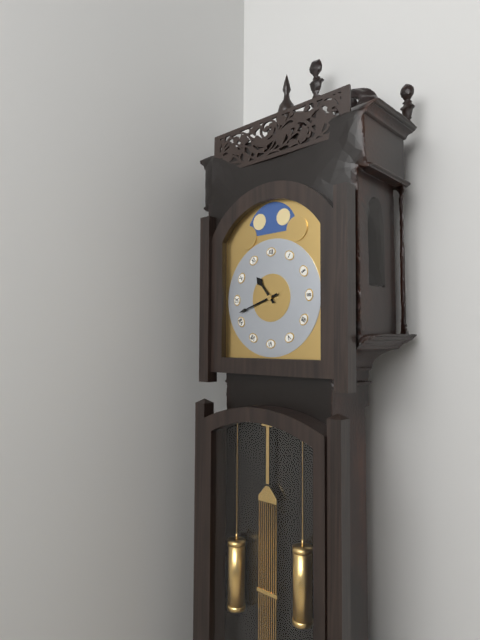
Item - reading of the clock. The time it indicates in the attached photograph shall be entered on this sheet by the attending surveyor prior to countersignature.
10:42
